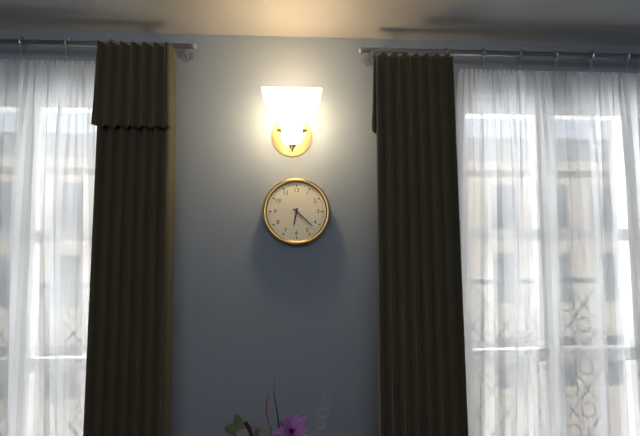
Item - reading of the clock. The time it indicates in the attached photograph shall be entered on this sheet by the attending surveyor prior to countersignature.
6:22
